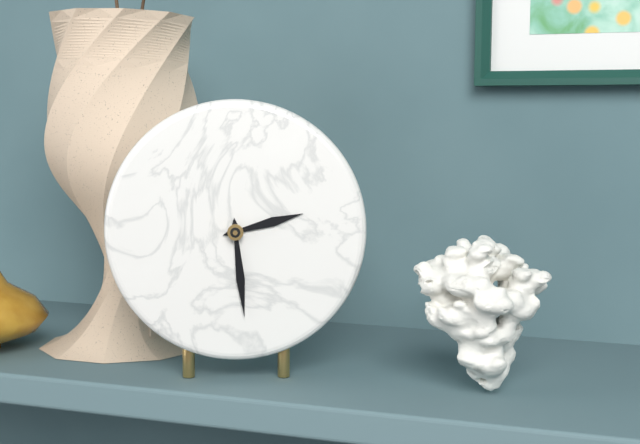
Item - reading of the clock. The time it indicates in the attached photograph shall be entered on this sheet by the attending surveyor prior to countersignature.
2:29
